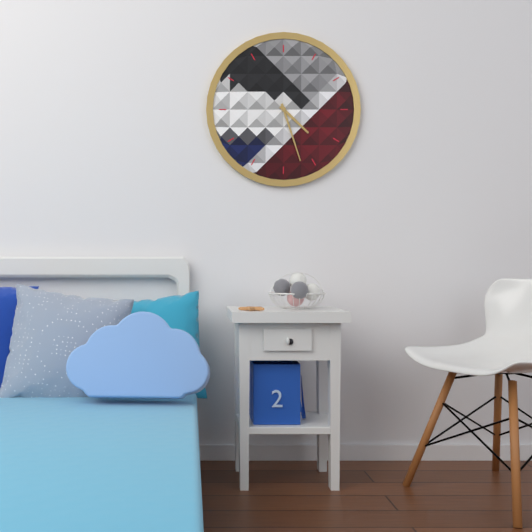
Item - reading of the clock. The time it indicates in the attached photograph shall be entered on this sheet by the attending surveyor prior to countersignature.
4:27
